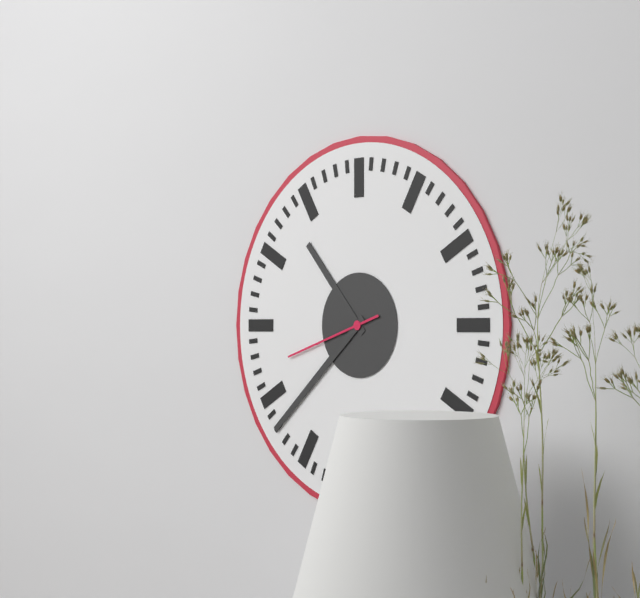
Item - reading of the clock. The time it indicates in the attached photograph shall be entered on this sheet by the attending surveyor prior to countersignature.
10:38:42
